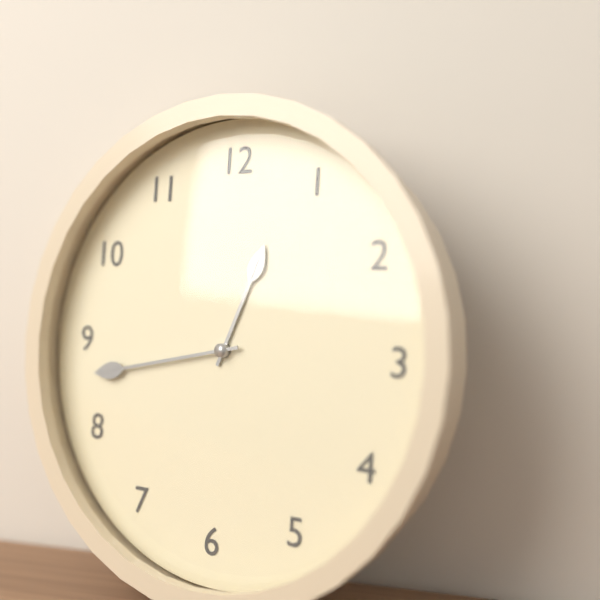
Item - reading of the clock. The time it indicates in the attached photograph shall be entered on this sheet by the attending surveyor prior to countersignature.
12:43
